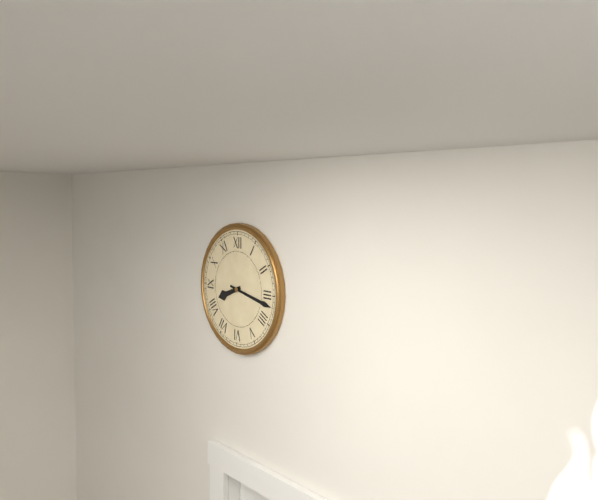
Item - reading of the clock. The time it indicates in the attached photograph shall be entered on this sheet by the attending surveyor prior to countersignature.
8:17
